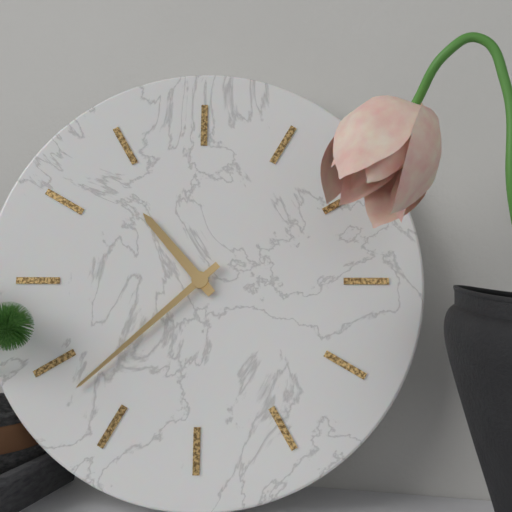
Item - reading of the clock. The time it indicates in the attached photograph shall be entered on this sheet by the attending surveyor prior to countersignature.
10:38
